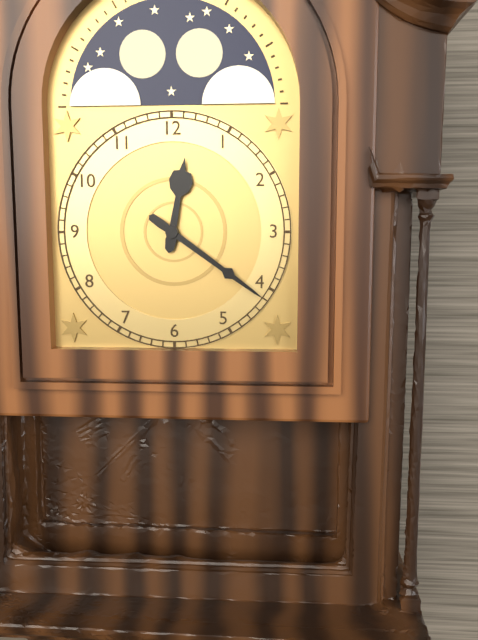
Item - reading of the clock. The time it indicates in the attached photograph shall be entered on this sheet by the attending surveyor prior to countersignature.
12:21
